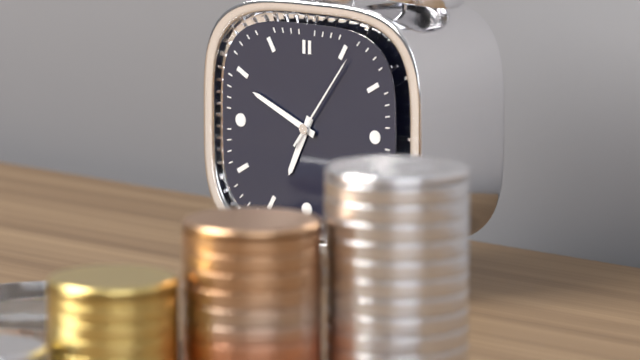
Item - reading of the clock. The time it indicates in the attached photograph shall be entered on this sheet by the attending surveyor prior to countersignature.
6:49:06
